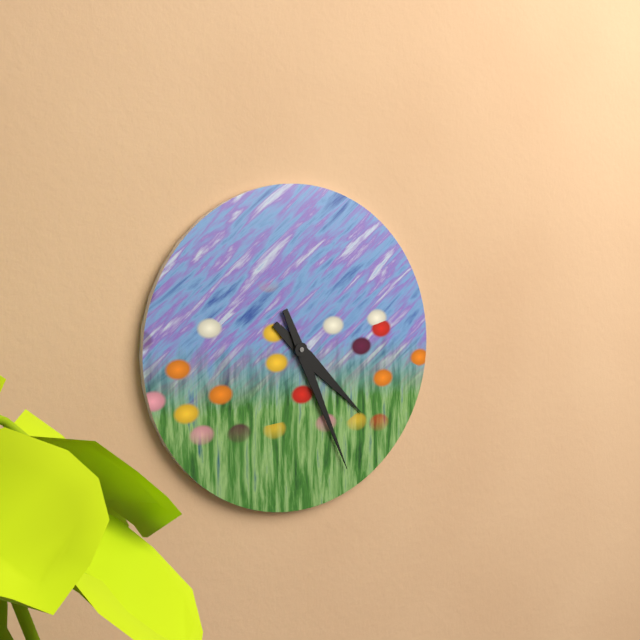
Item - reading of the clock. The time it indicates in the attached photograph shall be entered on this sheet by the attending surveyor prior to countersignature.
4:26
